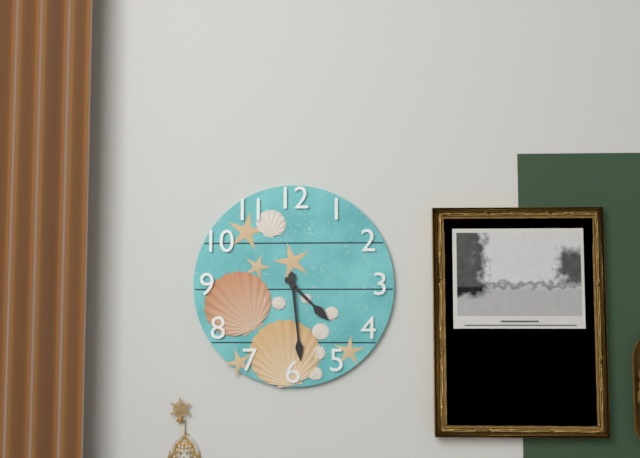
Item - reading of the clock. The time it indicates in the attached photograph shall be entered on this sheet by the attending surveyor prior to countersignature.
4:29
